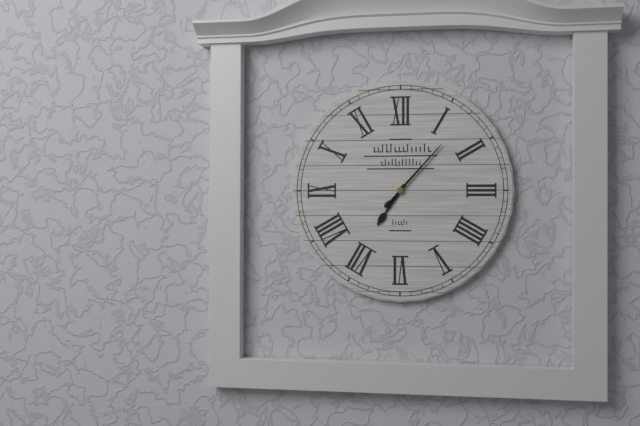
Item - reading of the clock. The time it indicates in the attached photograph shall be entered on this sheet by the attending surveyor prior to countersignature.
7:07
